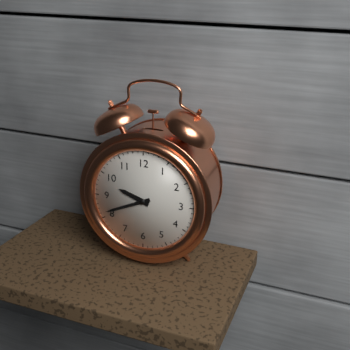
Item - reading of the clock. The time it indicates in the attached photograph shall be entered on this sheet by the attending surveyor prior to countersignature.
9:41
